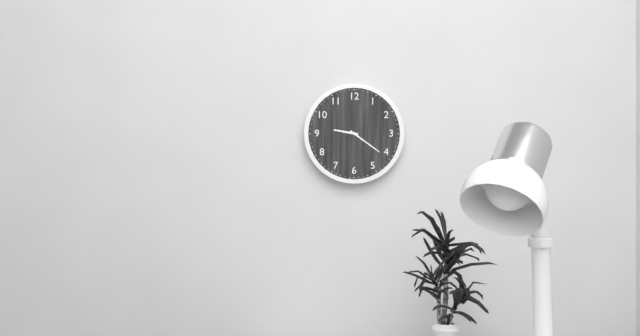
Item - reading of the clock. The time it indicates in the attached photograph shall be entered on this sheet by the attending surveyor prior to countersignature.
9:21
